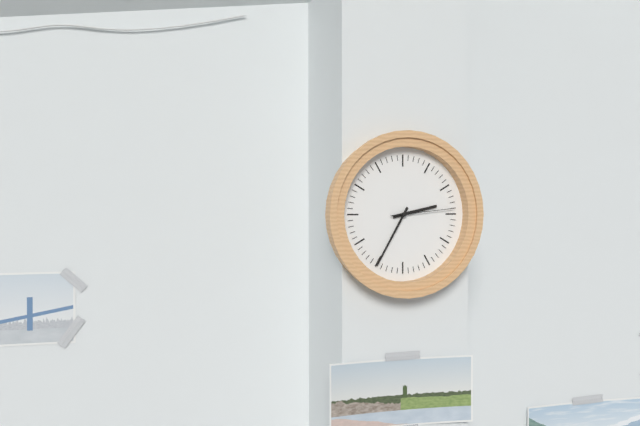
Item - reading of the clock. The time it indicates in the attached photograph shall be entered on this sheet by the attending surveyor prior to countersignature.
2:35:14
